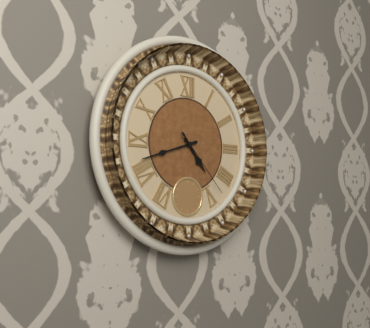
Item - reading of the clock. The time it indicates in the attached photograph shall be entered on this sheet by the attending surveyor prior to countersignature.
4:42:23
